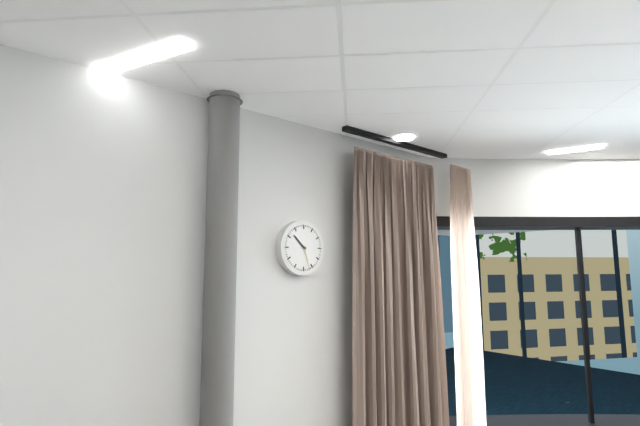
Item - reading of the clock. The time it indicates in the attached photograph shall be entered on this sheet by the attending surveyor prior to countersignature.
10:27
